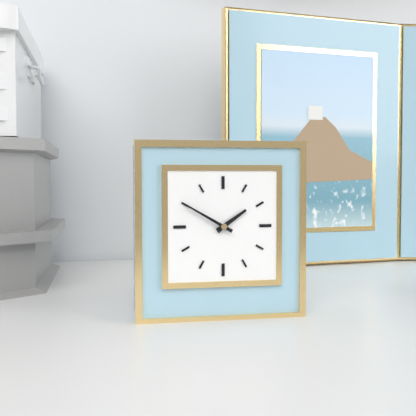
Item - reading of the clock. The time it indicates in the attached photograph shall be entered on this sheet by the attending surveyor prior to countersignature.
1:50
